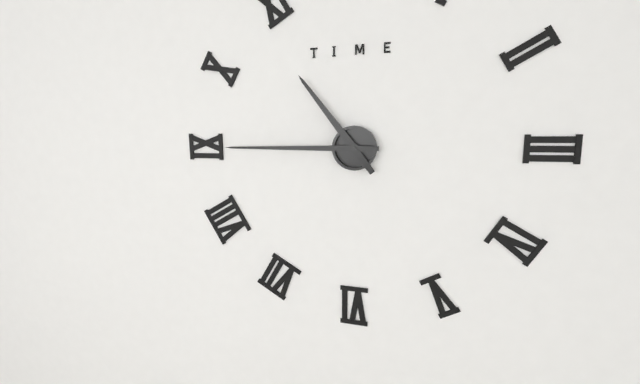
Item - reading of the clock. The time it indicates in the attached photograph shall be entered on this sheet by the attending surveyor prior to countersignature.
10:45
